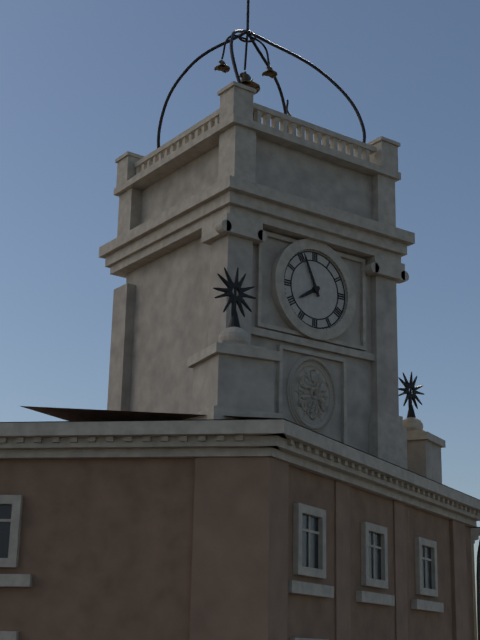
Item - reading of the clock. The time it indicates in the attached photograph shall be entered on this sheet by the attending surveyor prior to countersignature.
7:56
